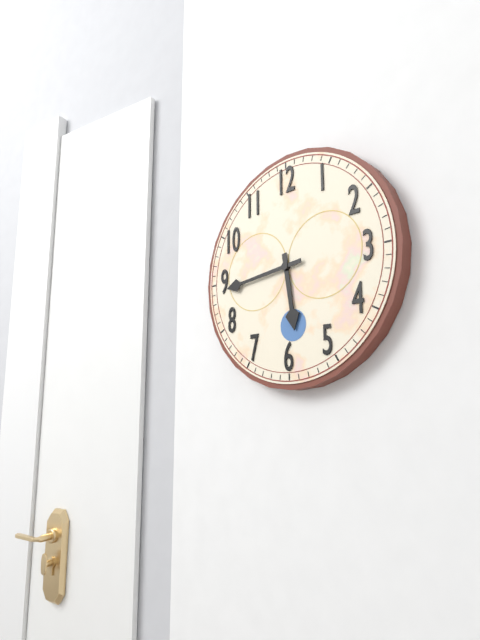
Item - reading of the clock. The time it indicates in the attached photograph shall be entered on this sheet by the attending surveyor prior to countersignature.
5:44
